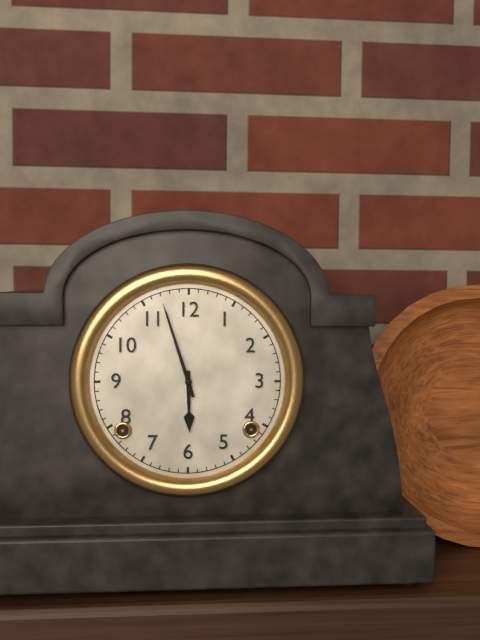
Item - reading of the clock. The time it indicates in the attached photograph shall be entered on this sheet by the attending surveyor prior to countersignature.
5:57
